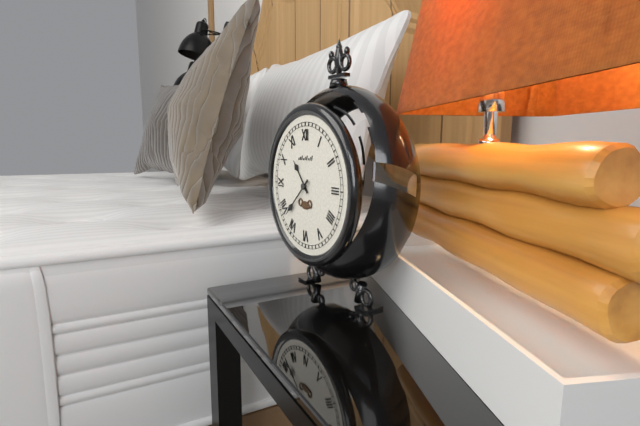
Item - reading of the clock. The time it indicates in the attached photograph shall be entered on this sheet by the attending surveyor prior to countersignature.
10:38
